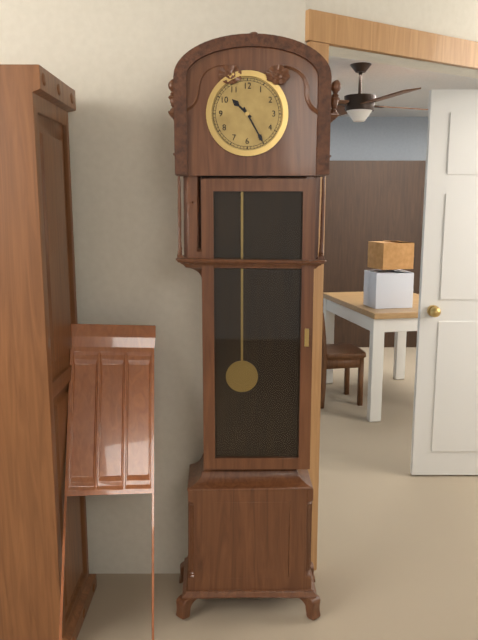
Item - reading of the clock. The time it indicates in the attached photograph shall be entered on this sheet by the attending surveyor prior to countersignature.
10:25
